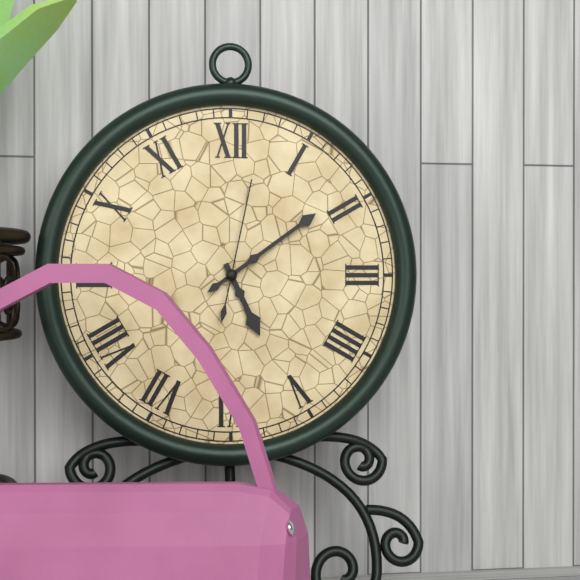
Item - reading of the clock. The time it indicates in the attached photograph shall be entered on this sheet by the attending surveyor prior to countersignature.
5:09:02
